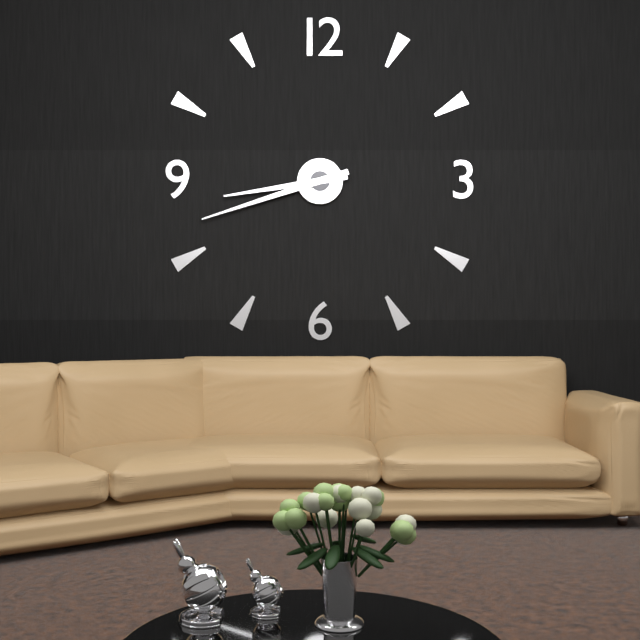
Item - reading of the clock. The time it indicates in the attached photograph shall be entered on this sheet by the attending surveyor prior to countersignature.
8:42
